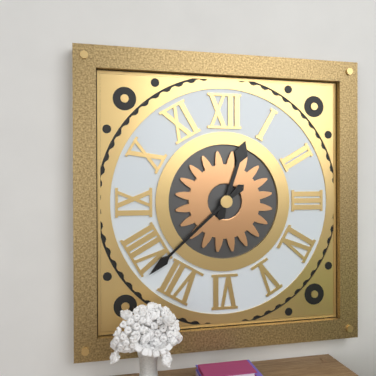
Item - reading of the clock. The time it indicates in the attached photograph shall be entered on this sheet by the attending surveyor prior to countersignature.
12:38
